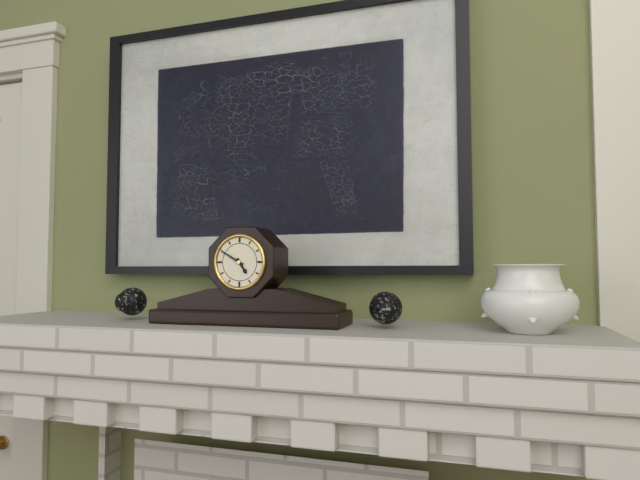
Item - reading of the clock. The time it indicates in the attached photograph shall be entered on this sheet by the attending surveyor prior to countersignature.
4:50
